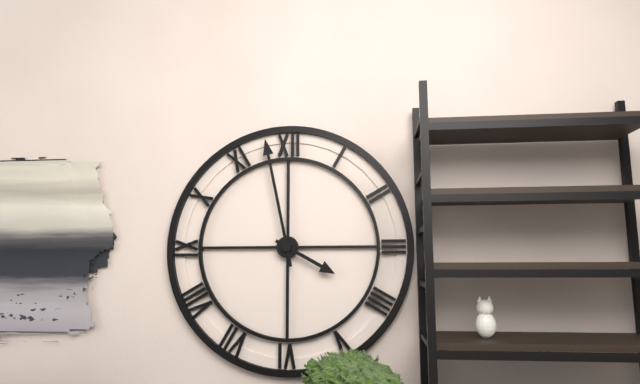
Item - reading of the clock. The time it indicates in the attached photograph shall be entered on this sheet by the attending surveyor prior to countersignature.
3:58
